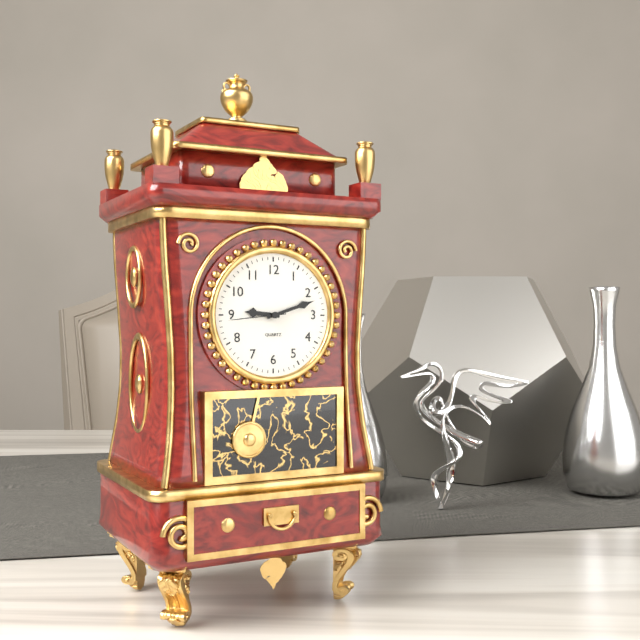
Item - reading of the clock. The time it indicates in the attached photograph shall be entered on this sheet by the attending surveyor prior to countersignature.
9:12:44
